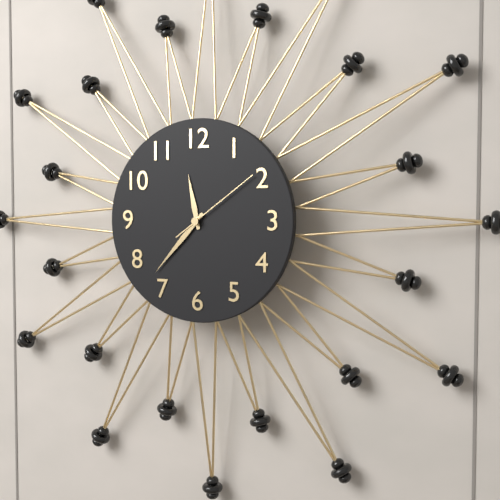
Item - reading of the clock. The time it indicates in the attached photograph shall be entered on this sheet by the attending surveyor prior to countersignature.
11:37:09
